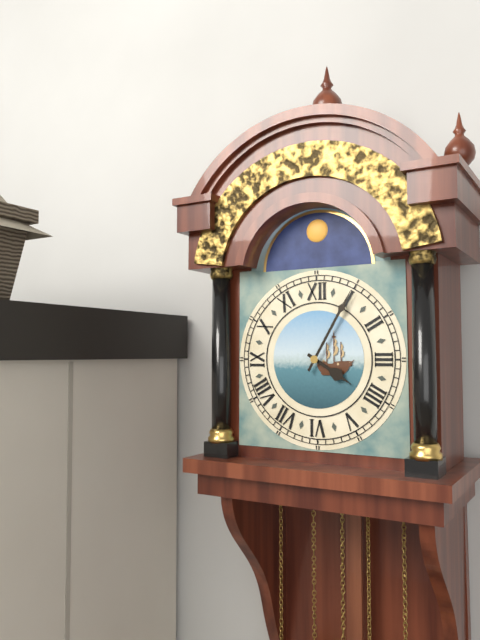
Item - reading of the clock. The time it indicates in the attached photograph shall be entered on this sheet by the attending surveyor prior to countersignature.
4:05
